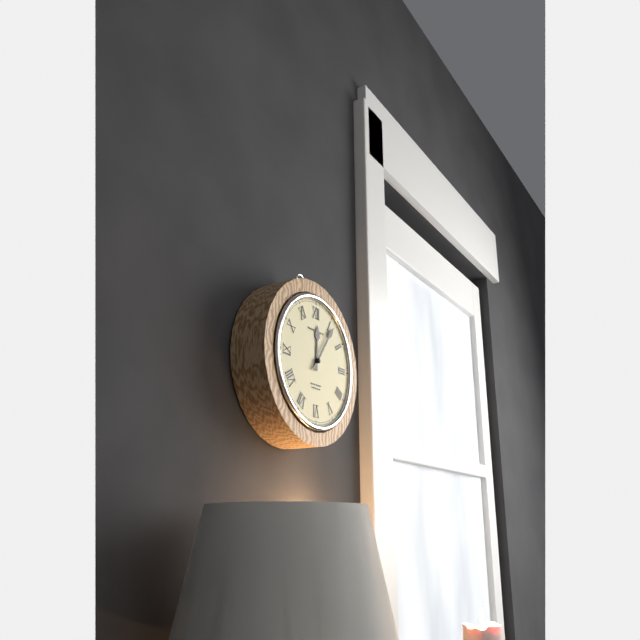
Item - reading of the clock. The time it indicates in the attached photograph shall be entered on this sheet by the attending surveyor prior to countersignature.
12:06
